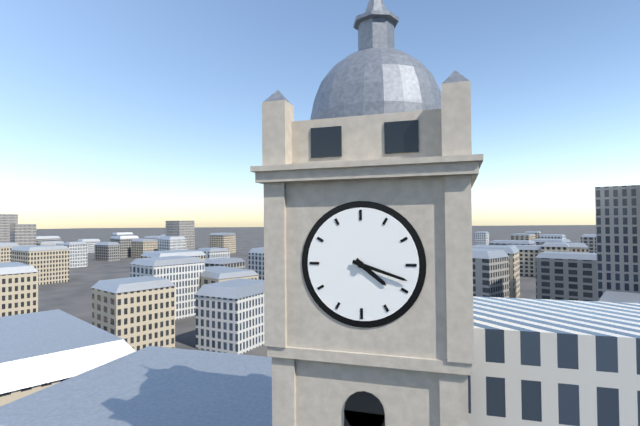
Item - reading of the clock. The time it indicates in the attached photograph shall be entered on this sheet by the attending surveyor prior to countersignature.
4:18
